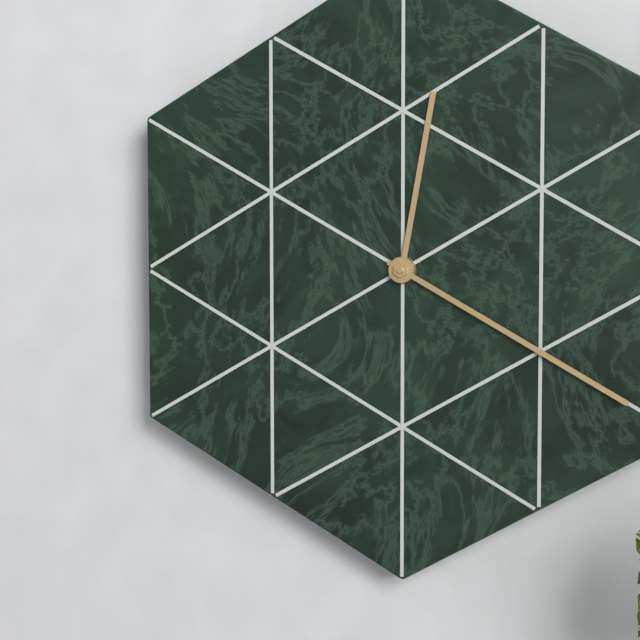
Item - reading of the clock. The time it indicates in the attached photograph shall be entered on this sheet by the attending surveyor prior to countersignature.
12:20
